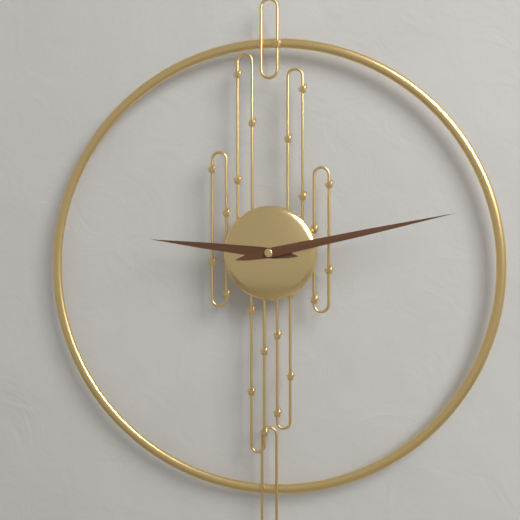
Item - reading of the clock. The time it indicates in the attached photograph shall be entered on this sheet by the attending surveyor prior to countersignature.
9:13
